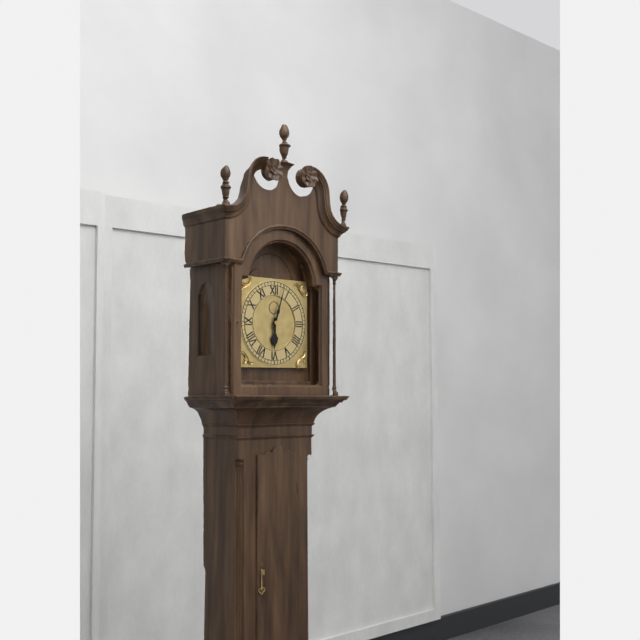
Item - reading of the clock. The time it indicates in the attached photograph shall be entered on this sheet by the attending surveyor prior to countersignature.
6:03
